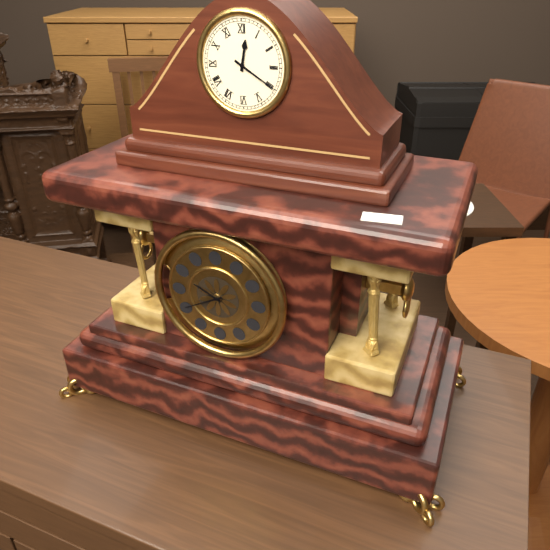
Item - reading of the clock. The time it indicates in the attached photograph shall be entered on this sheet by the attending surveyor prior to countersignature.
12:20
